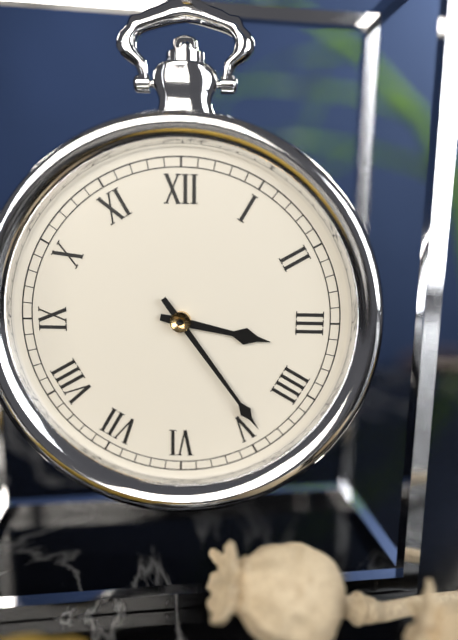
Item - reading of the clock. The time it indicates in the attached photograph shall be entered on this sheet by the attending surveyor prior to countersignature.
3:24
